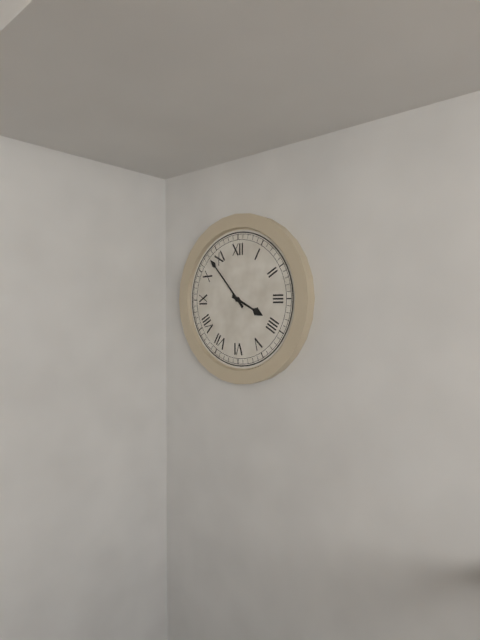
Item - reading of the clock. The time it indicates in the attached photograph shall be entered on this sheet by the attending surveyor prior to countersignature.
3:53
